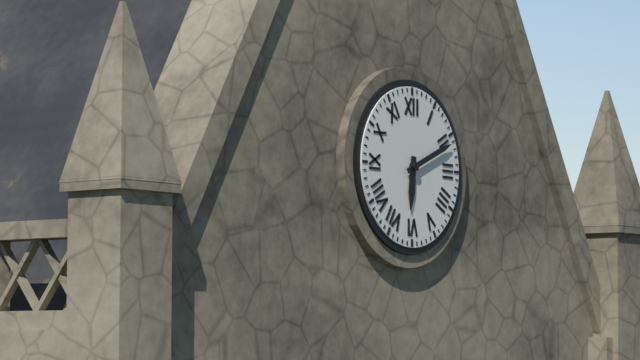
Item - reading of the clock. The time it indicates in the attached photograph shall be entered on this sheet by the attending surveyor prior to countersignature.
6:11
